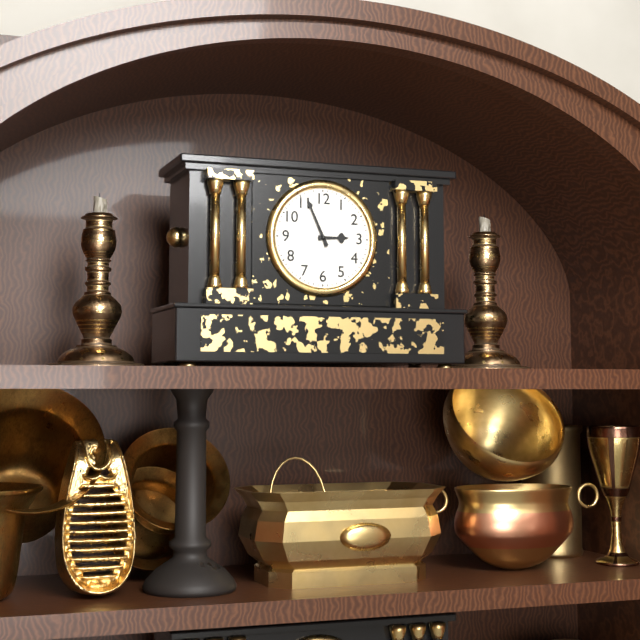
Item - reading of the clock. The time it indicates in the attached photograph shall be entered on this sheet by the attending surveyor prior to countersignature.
2:56
